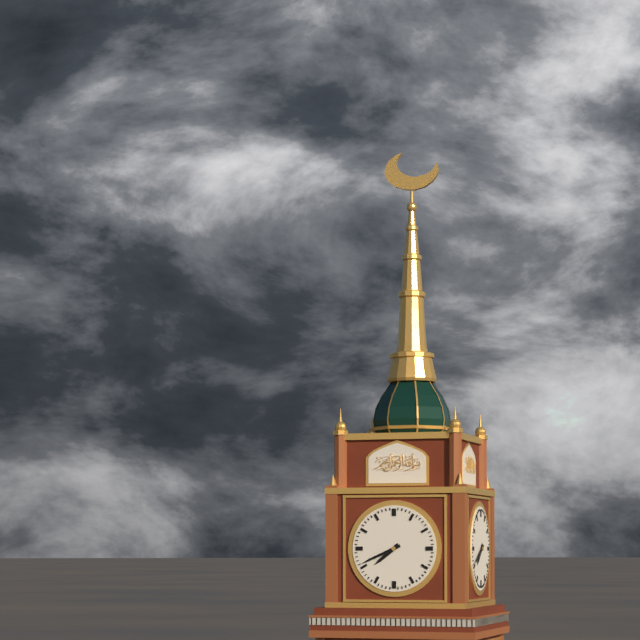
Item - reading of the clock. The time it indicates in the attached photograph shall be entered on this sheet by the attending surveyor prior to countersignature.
7:41
